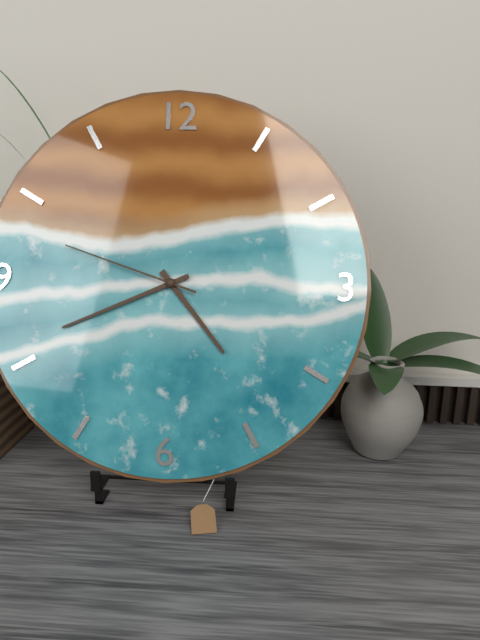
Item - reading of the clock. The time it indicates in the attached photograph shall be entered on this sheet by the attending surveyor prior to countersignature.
4:41:48
